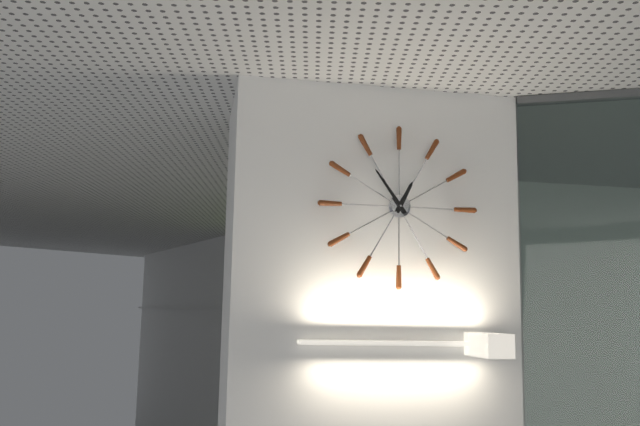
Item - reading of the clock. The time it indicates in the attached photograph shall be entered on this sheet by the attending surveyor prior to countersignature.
12:54
